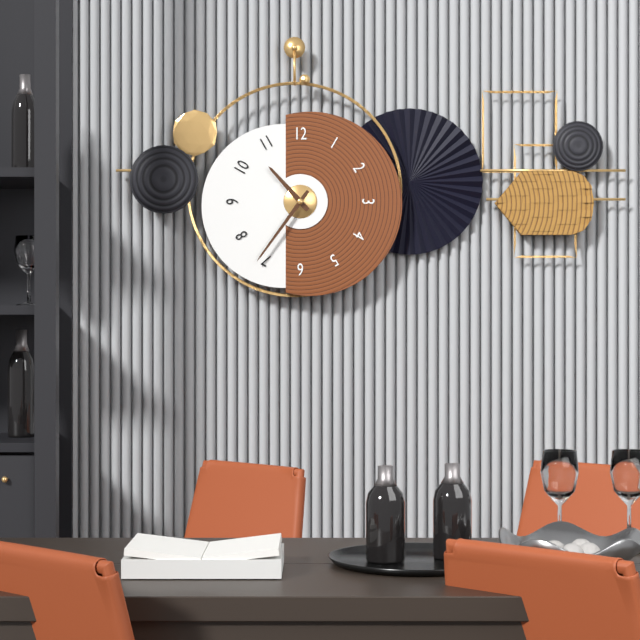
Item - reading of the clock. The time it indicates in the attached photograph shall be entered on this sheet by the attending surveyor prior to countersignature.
10:36
